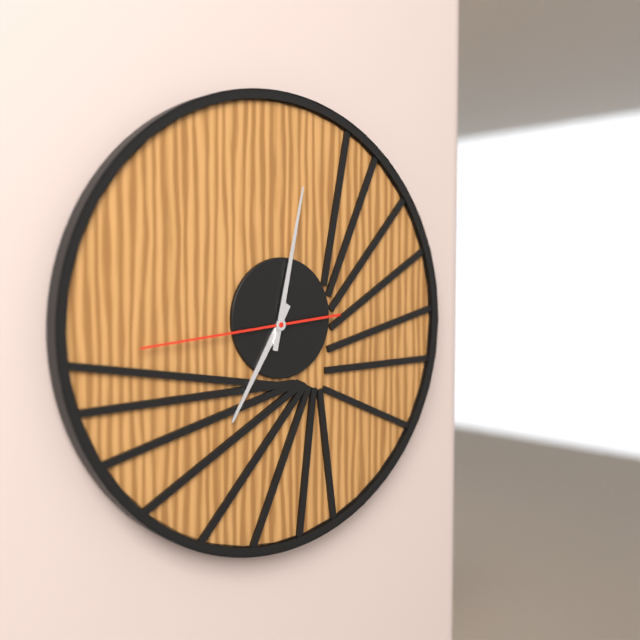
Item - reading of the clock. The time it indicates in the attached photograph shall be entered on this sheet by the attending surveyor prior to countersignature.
7:02:44
